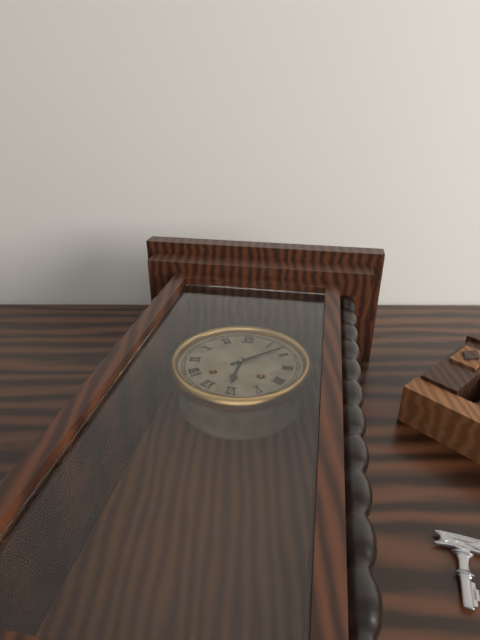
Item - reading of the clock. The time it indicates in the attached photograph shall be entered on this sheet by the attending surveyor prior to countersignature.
6:08
